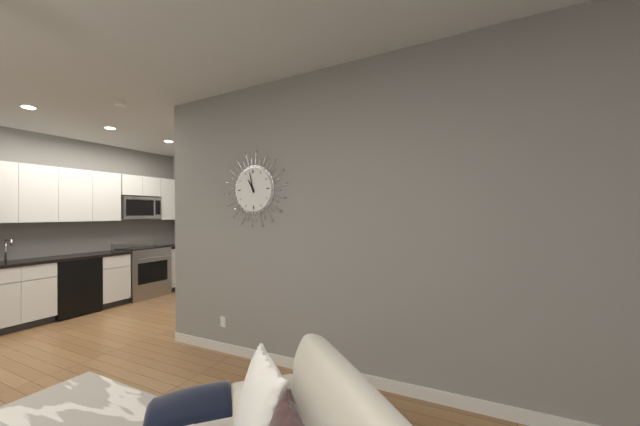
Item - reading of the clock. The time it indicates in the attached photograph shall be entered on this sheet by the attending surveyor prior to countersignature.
10:58
